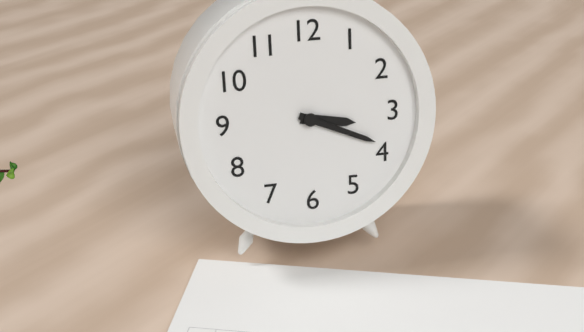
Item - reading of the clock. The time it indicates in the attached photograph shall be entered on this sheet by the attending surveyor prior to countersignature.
3:19
